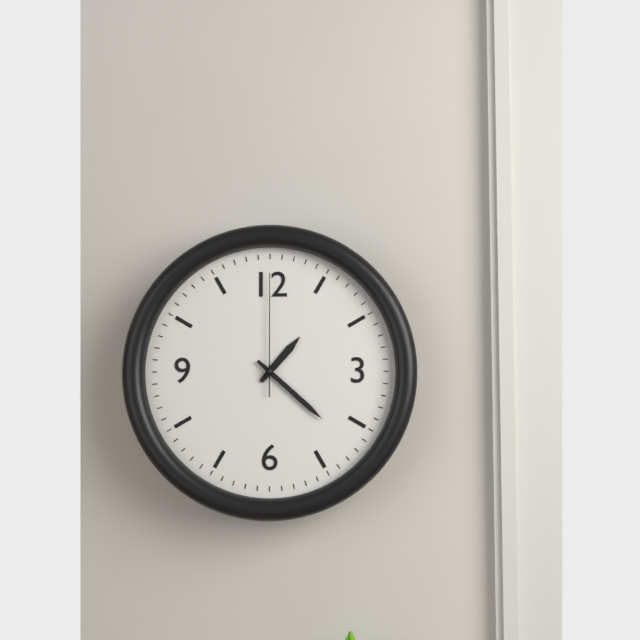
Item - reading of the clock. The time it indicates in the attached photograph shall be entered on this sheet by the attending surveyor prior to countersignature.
1:22:00
